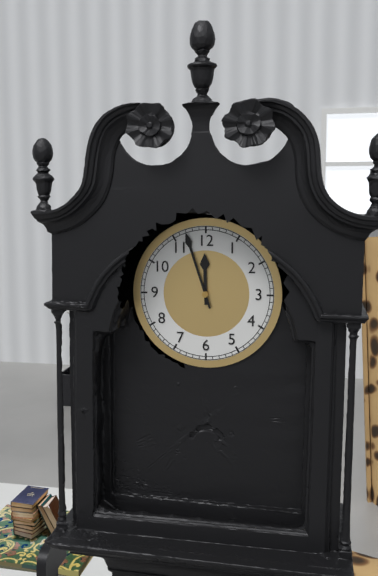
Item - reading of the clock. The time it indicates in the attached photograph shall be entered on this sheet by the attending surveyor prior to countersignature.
11:57
